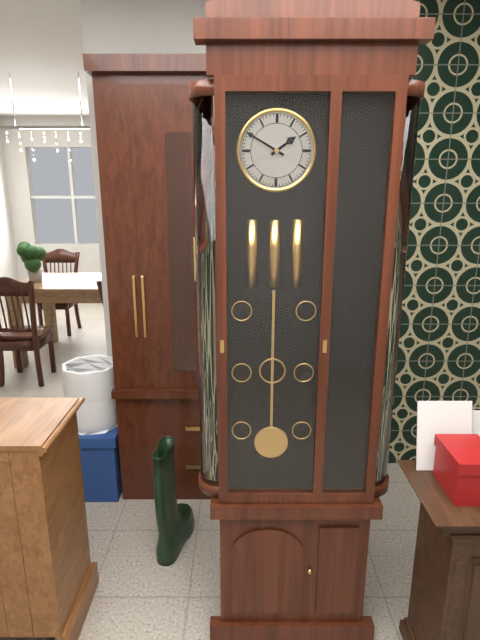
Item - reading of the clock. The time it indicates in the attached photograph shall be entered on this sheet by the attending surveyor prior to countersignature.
1:50
